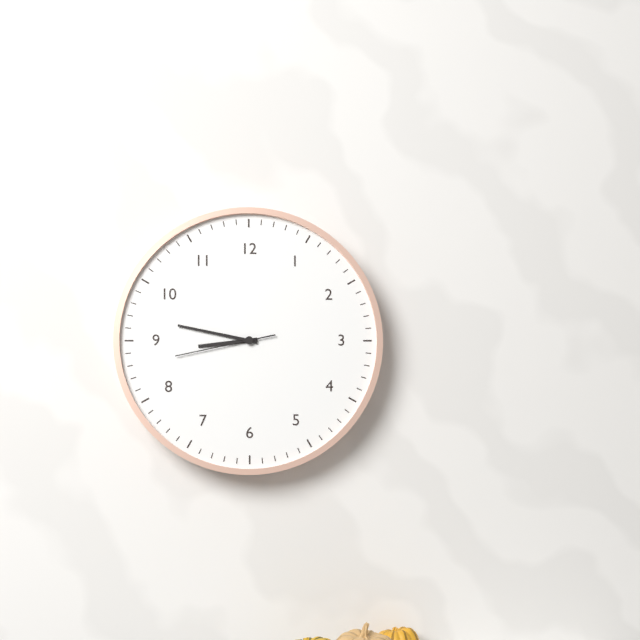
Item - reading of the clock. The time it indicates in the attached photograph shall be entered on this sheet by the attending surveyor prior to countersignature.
8:47:43
